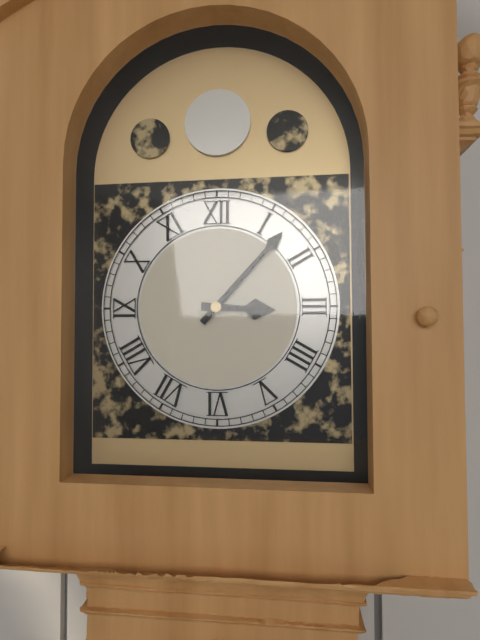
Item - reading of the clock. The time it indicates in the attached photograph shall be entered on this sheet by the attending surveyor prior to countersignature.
3:07
